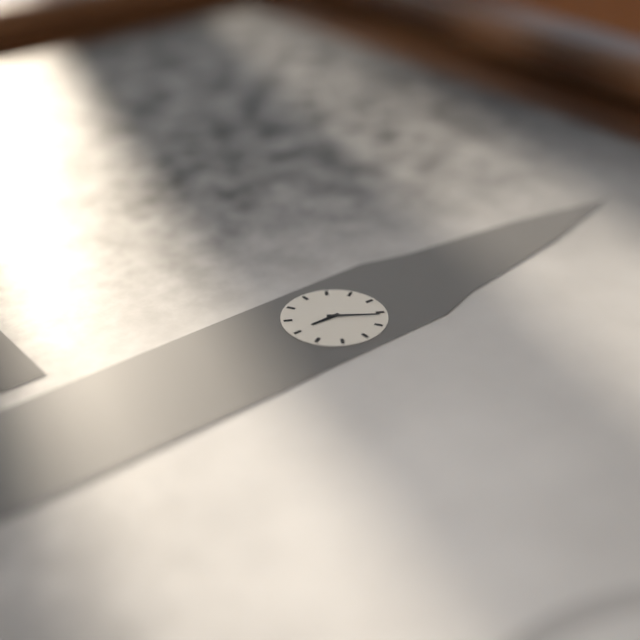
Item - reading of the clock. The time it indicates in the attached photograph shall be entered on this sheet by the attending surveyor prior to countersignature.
6:06
